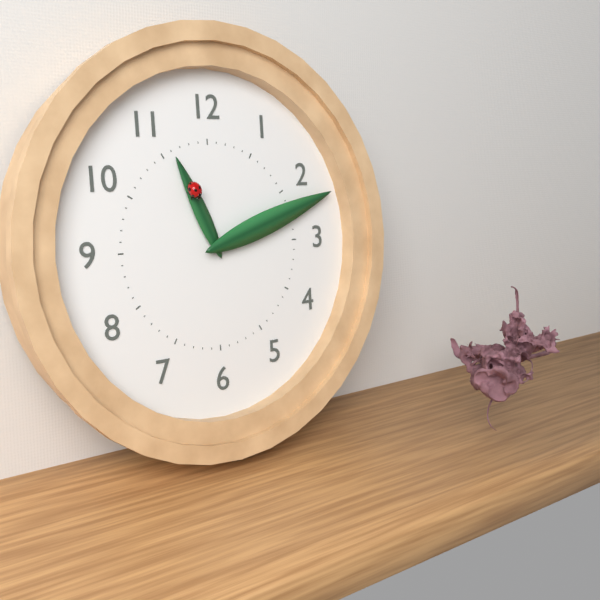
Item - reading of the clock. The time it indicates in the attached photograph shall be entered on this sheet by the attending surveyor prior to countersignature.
11:12
